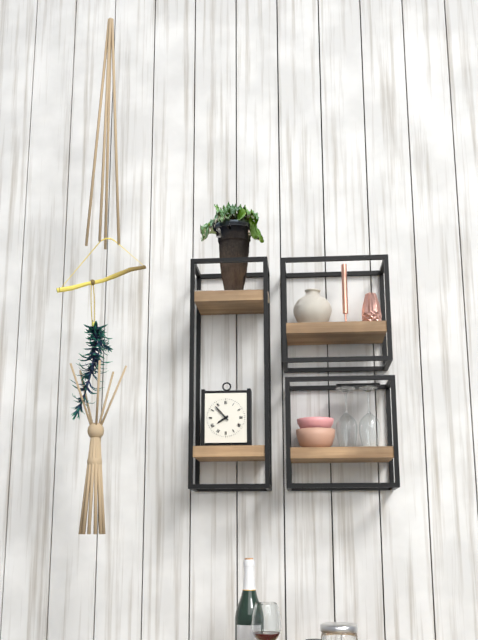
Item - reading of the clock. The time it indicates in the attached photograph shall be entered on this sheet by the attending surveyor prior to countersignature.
7:53
